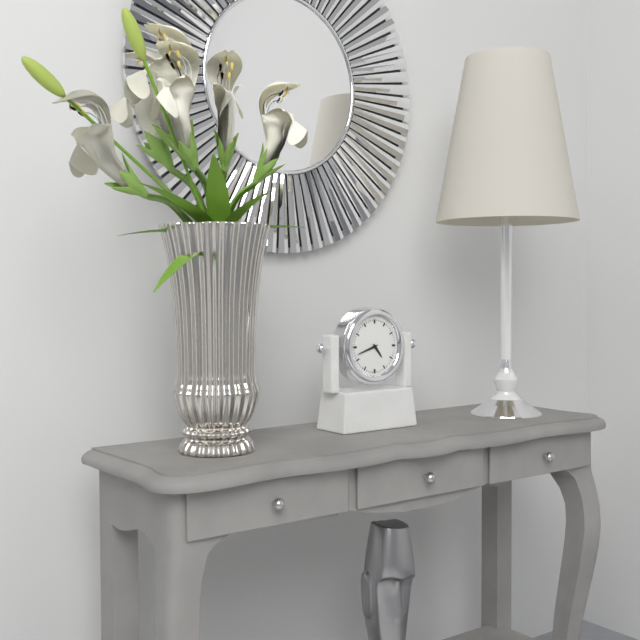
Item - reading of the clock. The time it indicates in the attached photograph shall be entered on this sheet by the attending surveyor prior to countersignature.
4:42
